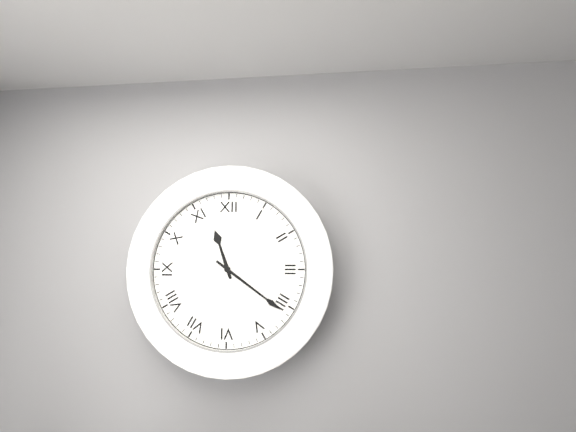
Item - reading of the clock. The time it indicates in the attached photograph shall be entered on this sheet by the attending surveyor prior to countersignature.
11:21
